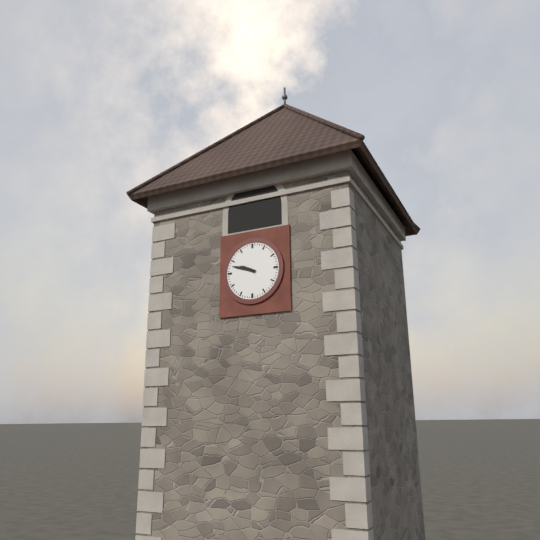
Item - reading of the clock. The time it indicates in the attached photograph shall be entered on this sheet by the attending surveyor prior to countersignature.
9:48
